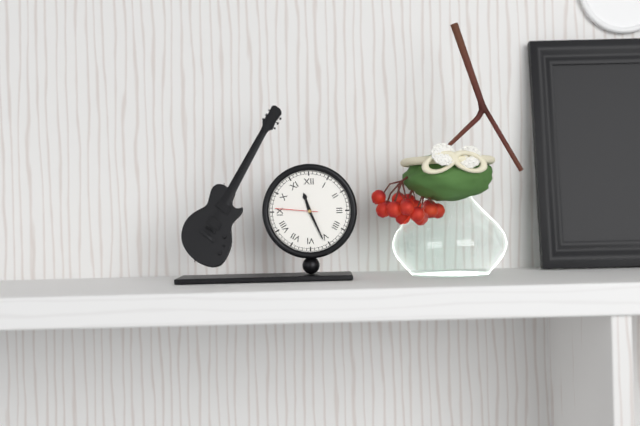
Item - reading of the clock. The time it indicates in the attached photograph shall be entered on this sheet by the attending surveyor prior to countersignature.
11:26
